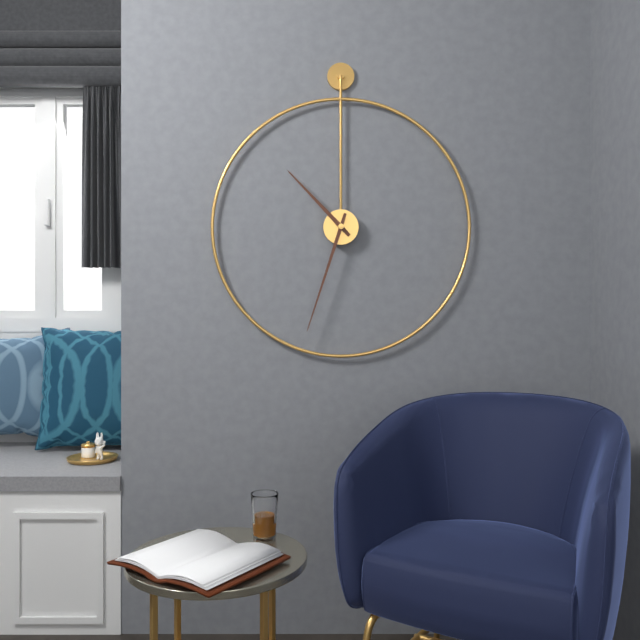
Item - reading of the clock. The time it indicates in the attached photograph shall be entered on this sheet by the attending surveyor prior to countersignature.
10:33
